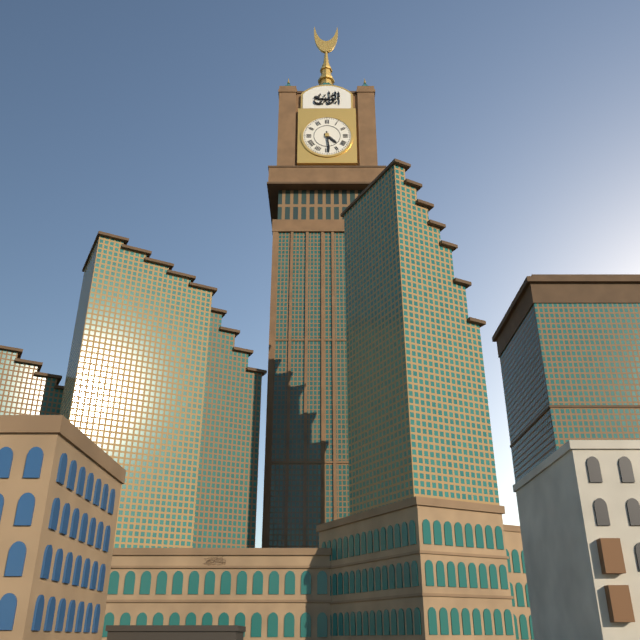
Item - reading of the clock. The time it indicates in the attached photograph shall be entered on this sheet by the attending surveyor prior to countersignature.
4:29
